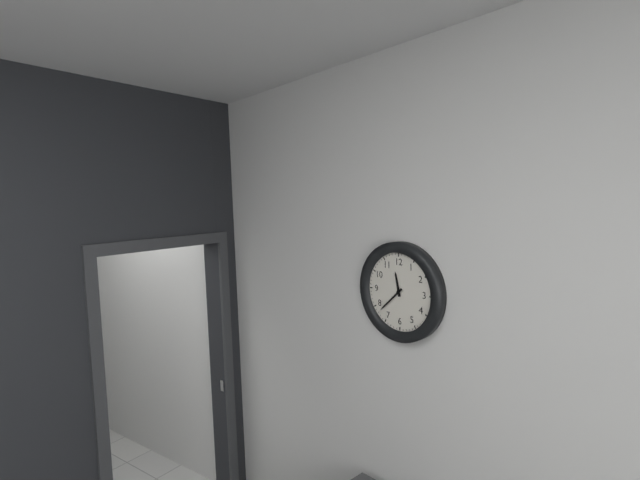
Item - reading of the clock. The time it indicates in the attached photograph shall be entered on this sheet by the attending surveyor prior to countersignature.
11:38
